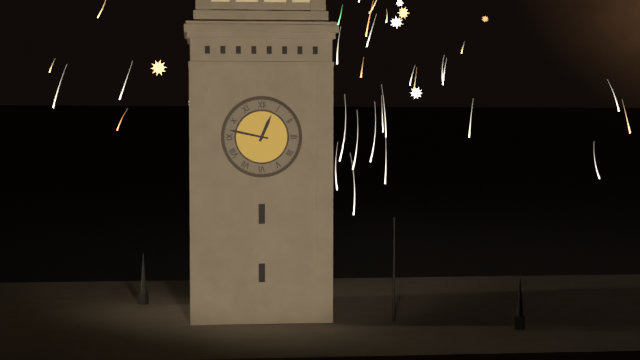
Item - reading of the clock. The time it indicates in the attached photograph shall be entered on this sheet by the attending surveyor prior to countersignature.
12:47
